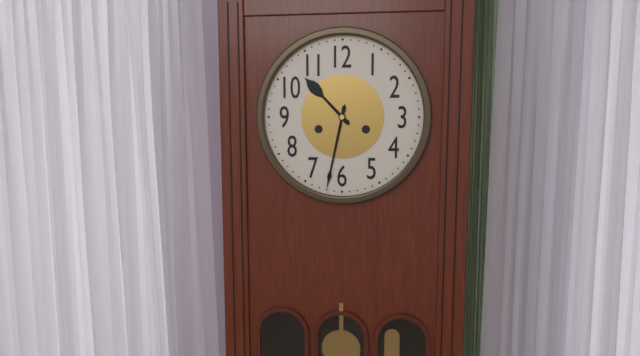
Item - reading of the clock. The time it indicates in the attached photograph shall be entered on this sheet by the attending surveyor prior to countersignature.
10:32
